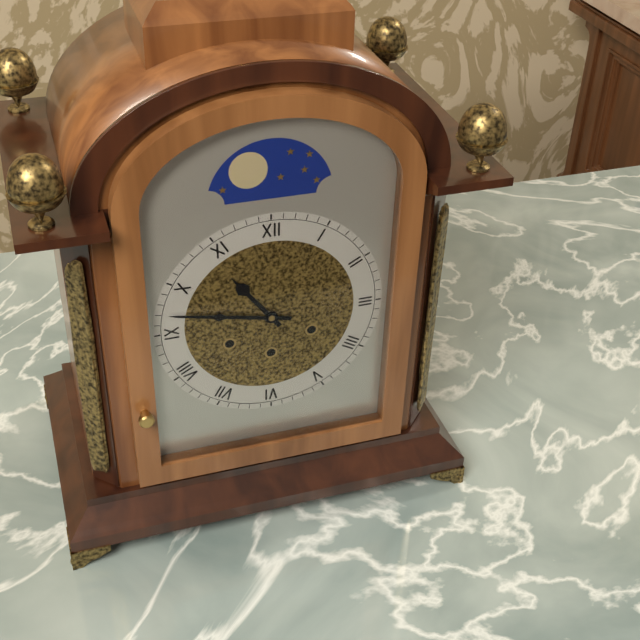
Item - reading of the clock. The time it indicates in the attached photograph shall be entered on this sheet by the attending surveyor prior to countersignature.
10:47
